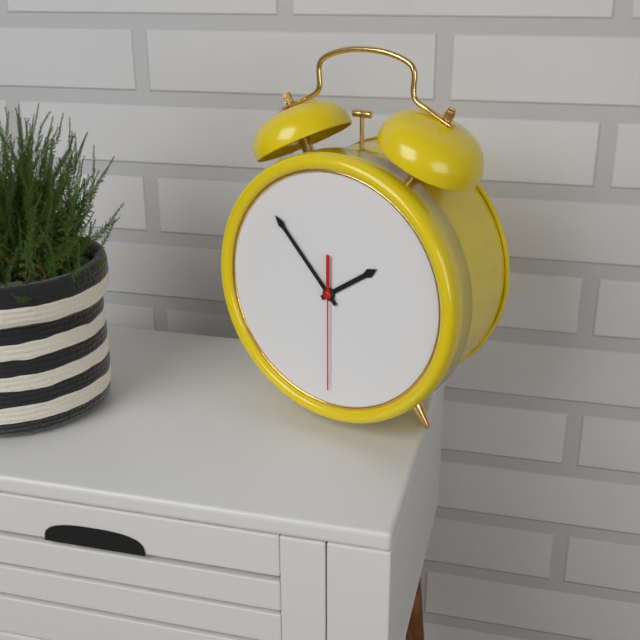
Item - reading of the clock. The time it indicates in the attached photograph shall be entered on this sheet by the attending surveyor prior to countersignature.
1:53:30
